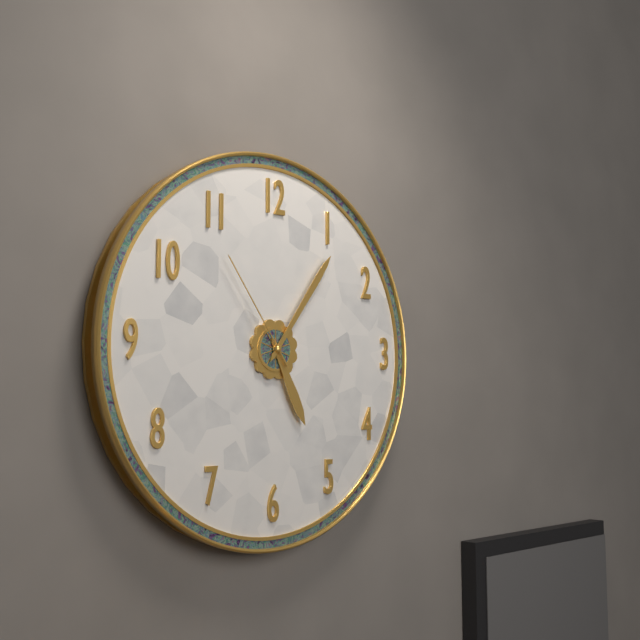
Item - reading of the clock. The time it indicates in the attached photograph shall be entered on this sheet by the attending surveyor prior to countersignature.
5:06:54
